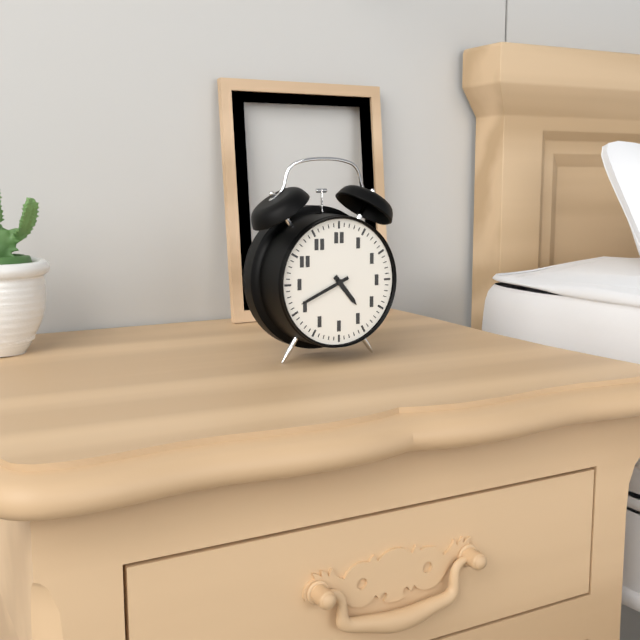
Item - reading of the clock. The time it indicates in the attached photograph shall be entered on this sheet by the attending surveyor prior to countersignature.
4:41
